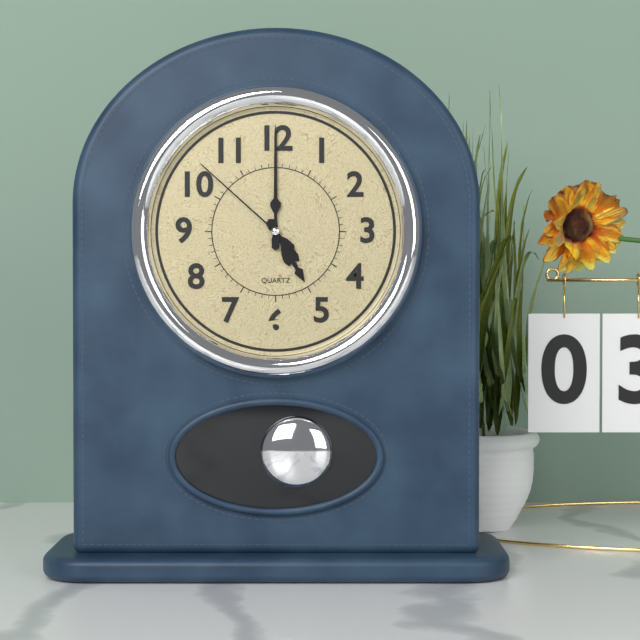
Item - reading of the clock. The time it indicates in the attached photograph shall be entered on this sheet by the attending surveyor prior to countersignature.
5:00:52
